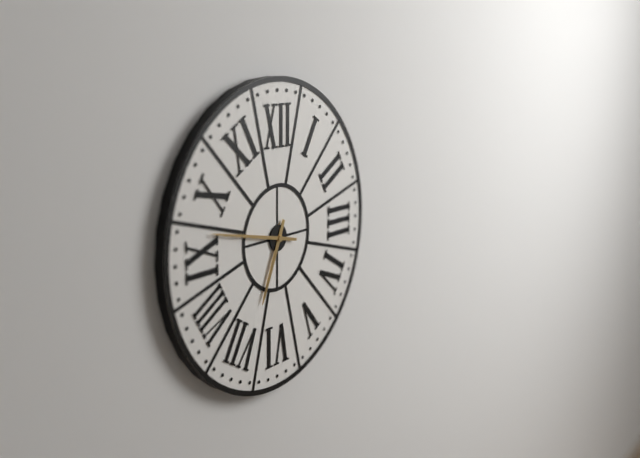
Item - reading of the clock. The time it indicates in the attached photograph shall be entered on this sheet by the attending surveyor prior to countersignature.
6:47
